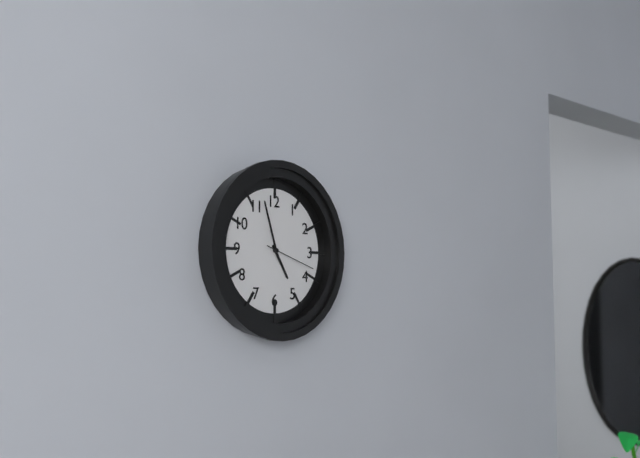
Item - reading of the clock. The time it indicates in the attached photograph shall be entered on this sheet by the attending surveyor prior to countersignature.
4:57:18
